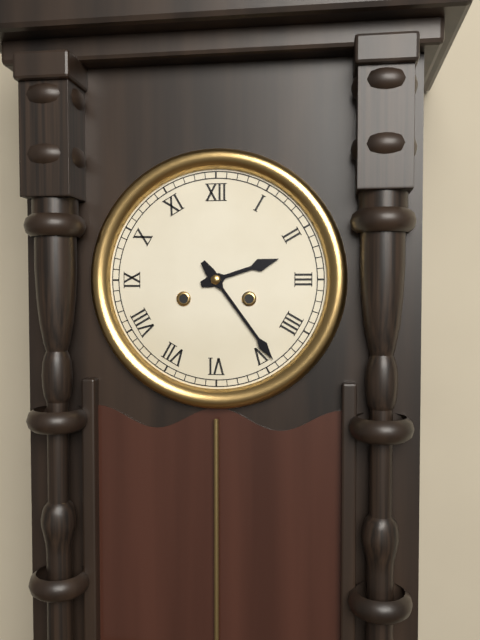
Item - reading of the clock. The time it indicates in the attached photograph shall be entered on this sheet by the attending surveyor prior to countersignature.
2:24
